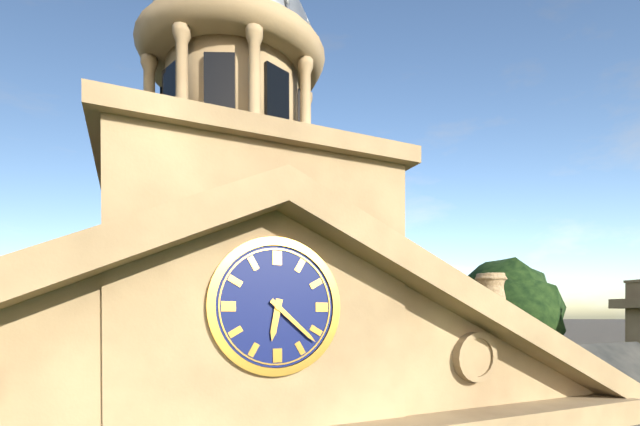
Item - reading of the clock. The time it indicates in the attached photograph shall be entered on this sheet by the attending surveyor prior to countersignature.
6:22
